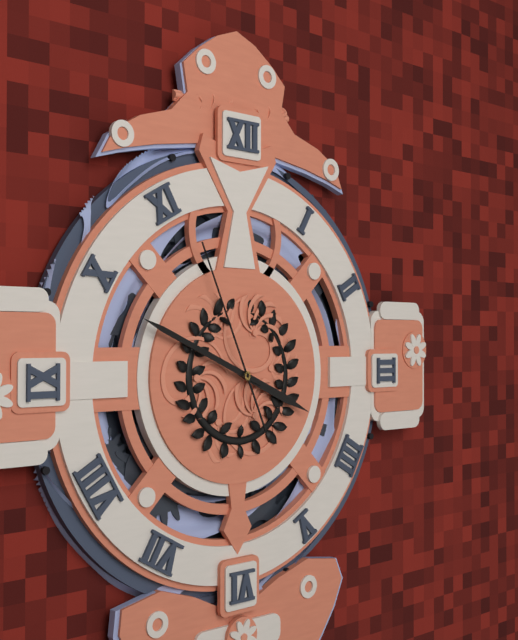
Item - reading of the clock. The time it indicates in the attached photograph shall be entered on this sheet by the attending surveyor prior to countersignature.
3:49:56
